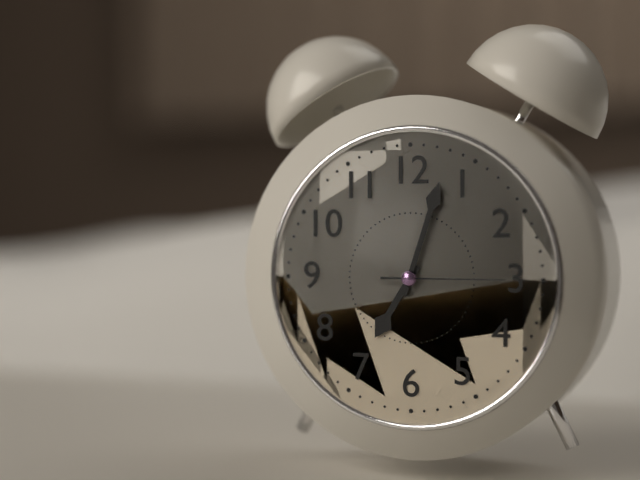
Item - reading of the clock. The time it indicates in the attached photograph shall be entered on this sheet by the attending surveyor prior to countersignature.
7:03:15
